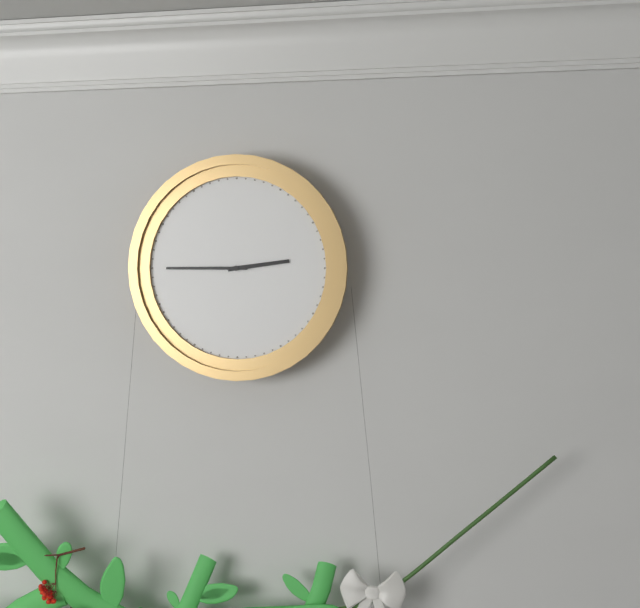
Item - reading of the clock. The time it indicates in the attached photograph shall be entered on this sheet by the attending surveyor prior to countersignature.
2:45
